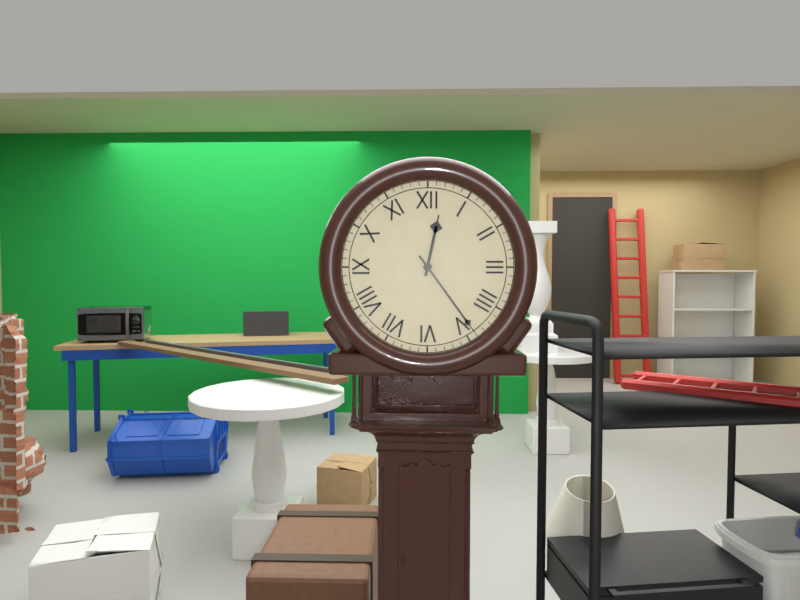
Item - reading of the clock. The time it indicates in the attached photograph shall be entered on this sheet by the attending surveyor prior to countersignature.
12:24
